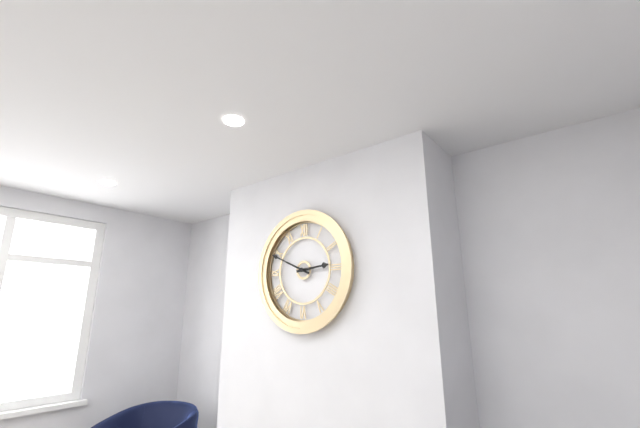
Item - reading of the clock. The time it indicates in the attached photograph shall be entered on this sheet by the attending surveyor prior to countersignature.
2:49
